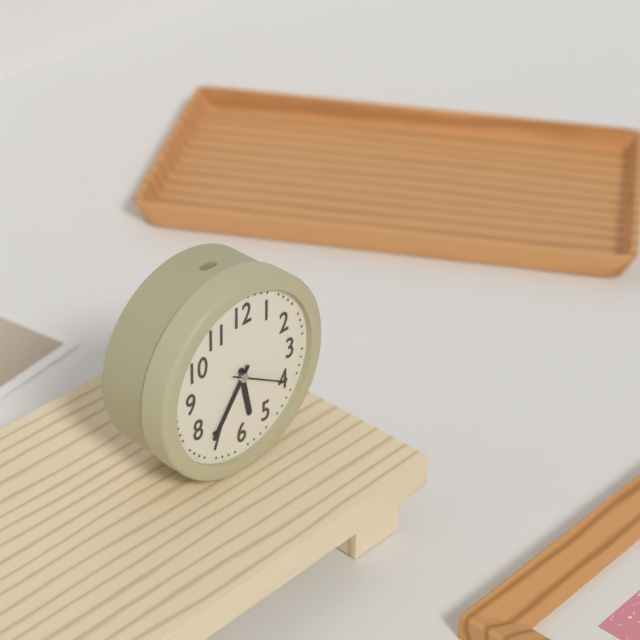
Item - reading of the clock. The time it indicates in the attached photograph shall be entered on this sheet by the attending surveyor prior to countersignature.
5:36
